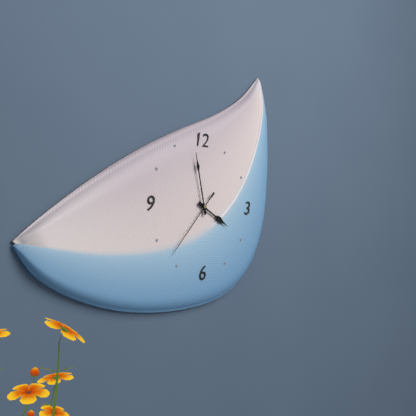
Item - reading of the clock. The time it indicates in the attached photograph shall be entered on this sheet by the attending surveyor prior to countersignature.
3:58:37
